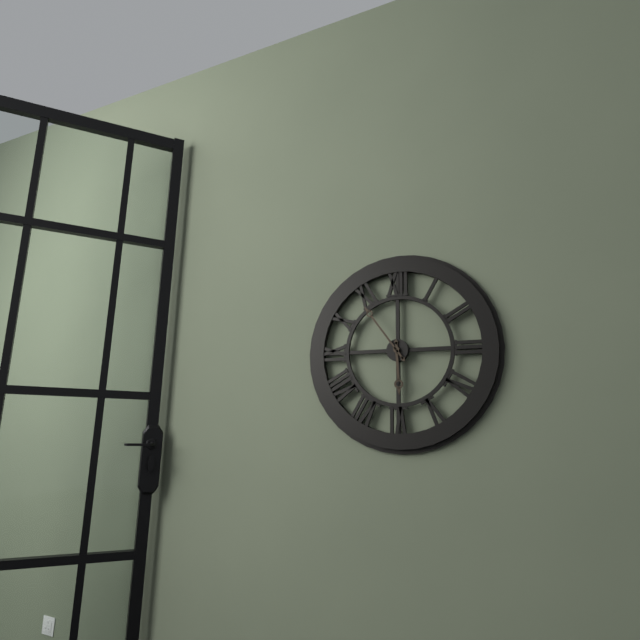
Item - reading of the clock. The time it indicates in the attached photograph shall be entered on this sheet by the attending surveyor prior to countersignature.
5:54
